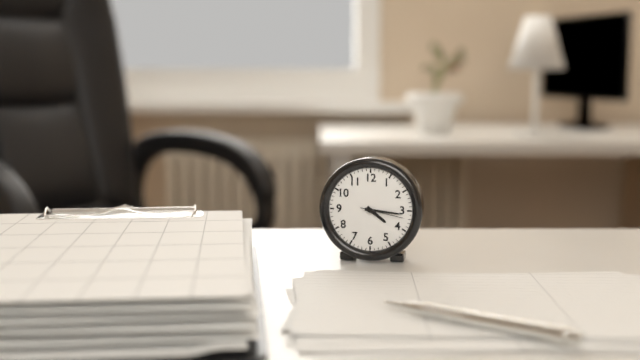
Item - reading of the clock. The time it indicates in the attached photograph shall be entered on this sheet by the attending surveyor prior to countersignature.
4:16
